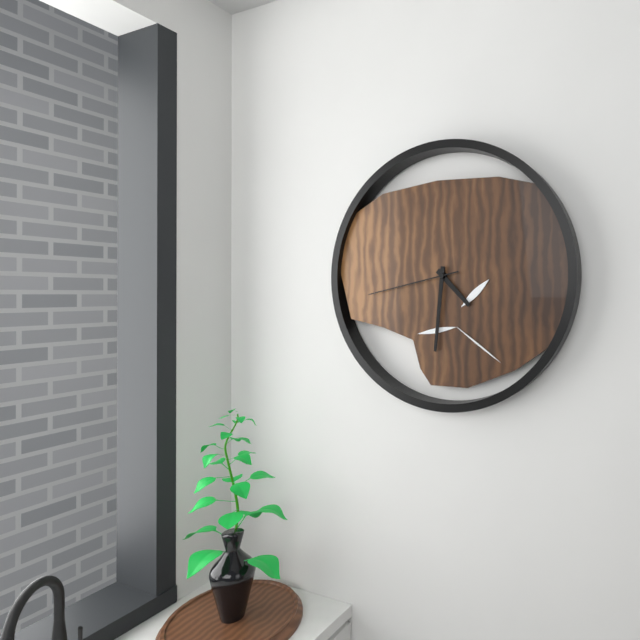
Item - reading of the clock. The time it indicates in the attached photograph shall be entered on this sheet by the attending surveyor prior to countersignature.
4:31:43
